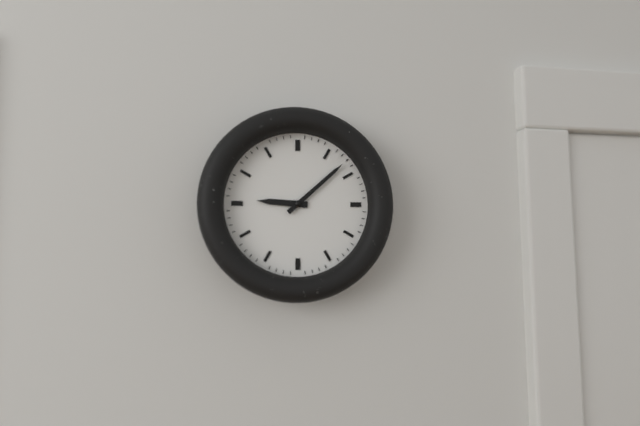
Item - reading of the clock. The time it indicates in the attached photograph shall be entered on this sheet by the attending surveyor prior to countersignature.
9:08
